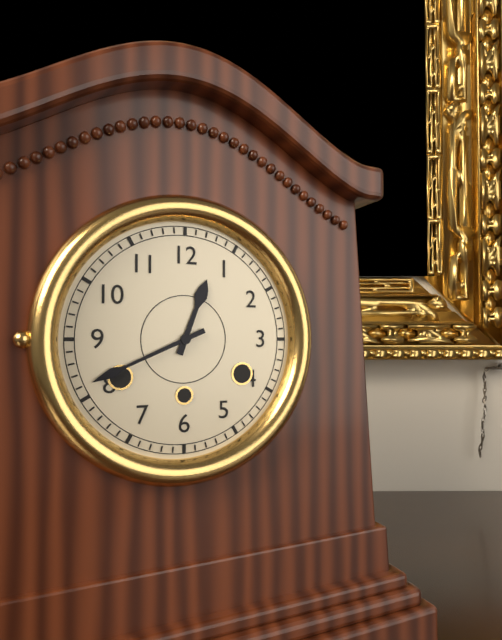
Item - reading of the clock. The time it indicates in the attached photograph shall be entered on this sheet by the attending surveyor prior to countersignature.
12:41
